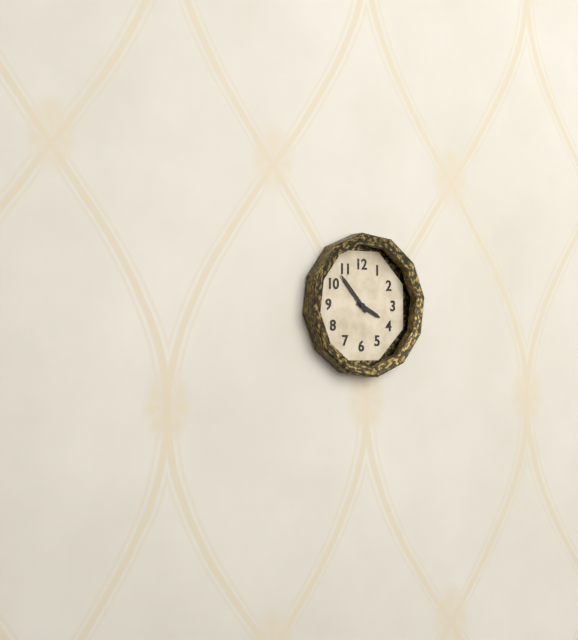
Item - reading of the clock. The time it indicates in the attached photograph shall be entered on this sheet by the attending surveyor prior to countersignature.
3:53
